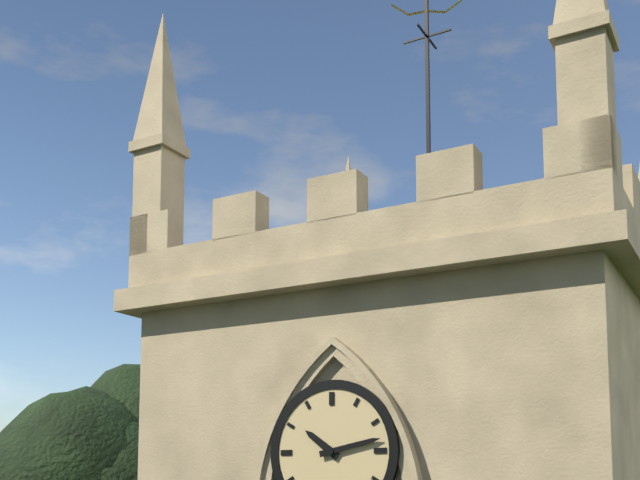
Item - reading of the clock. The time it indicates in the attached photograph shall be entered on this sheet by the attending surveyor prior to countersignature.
10:13
